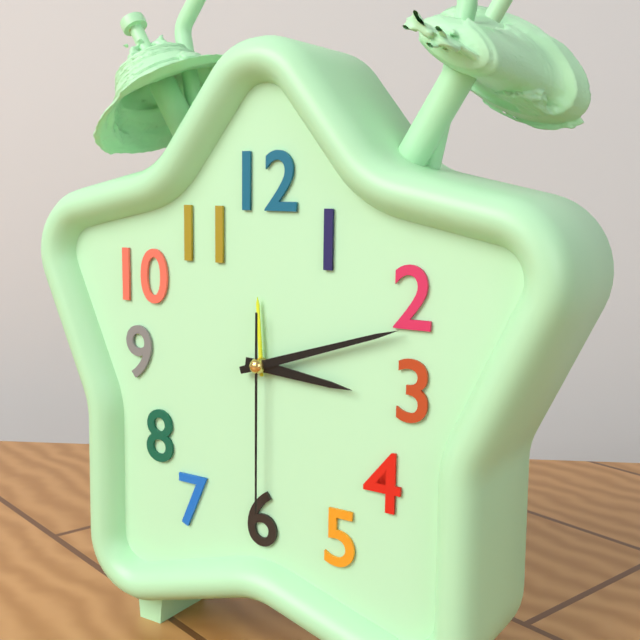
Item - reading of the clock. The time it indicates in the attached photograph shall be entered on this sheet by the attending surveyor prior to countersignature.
3:12:30
